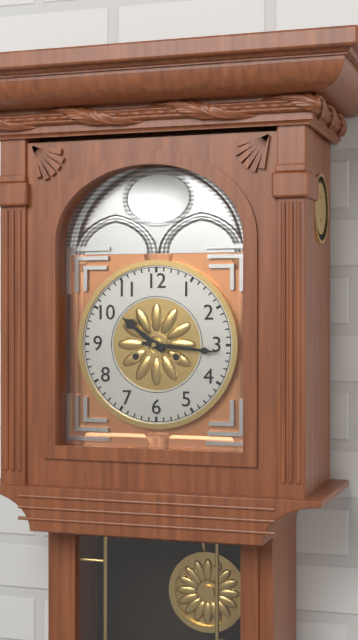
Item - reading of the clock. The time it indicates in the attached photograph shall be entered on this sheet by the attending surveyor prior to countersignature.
10:16
